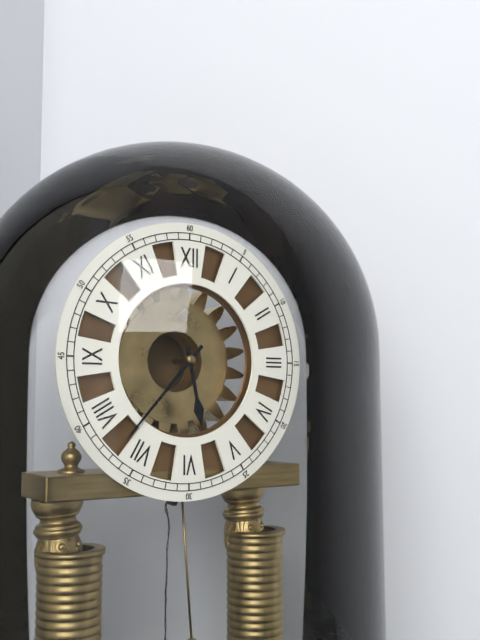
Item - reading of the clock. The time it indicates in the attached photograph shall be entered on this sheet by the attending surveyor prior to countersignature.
5:37
